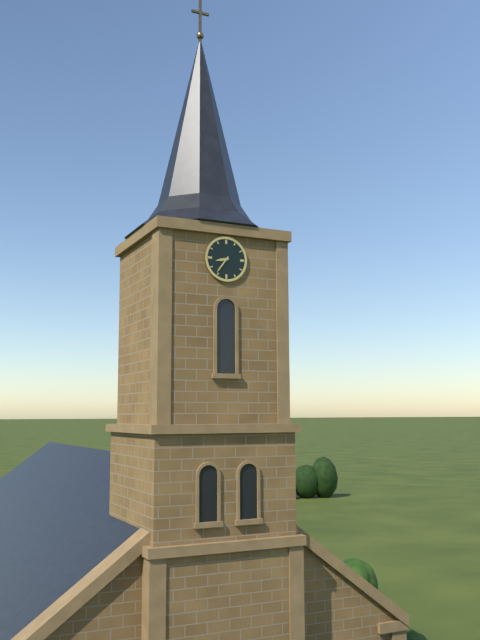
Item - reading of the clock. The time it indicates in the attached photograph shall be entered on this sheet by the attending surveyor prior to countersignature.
8:36
